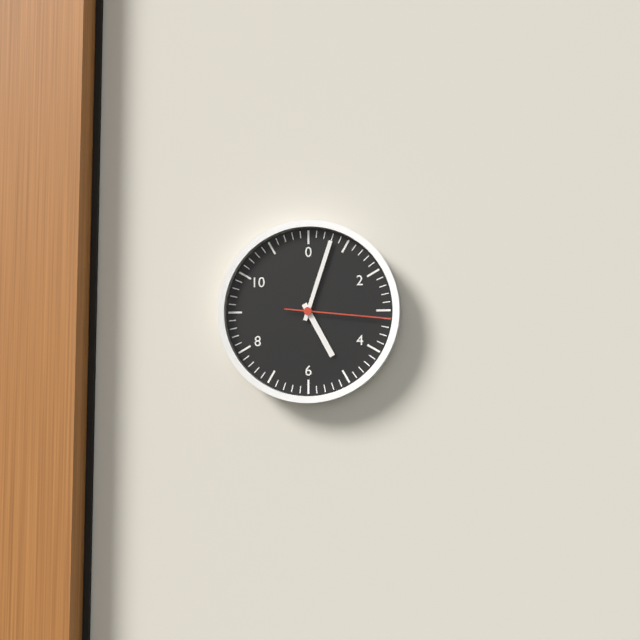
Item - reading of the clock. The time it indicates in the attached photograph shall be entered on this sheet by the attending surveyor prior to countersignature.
5:03:16
